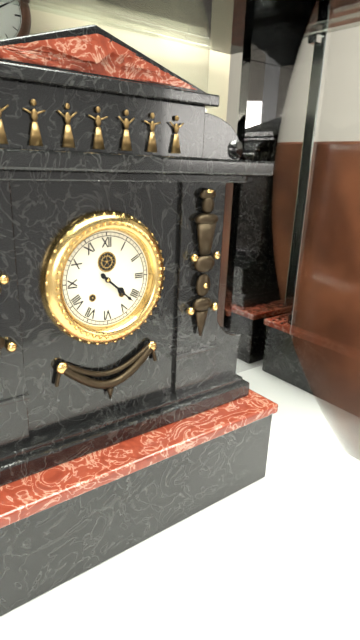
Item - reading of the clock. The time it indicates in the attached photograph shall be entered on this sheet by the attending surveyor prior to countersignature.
4:22
